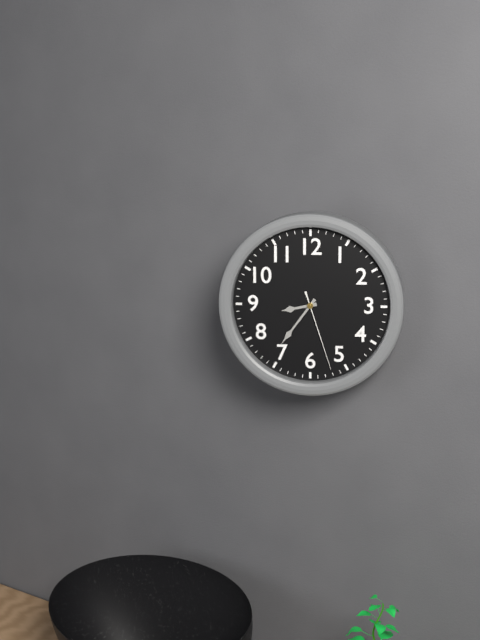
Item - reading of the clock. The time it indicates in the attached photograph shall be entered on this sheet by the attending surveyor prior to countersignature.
8:36:27
